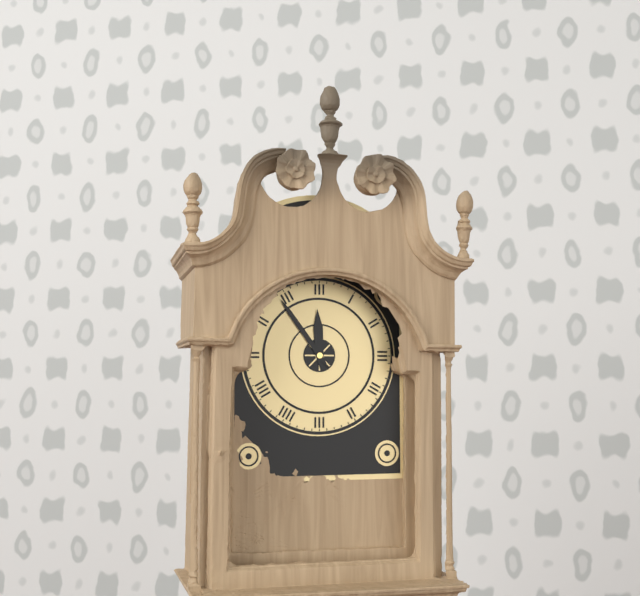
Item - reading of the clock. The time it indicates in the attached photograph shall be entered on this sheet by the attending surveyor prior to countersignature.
11:54
